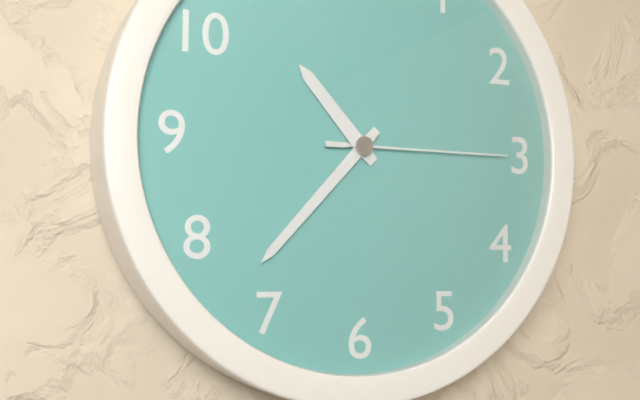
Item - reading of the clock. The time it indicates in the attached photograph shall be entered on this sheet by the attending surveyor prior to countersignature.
10:37:15
